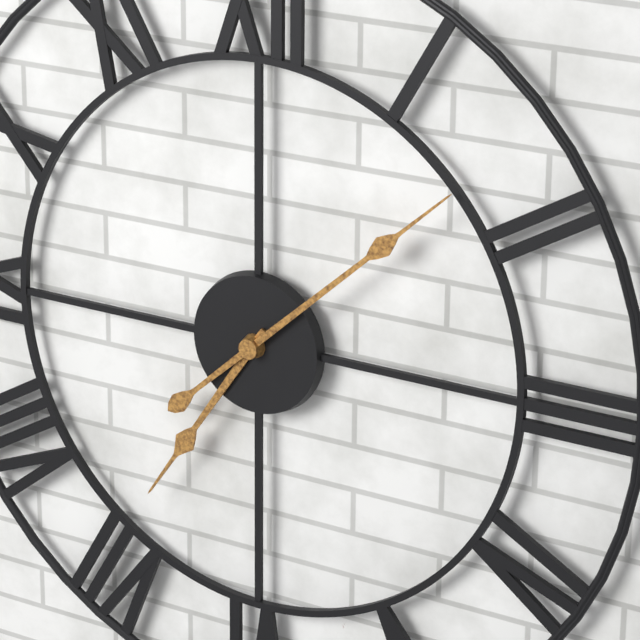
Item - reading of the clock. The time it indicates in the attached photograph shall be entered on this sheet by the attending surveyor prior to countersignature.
7:08
